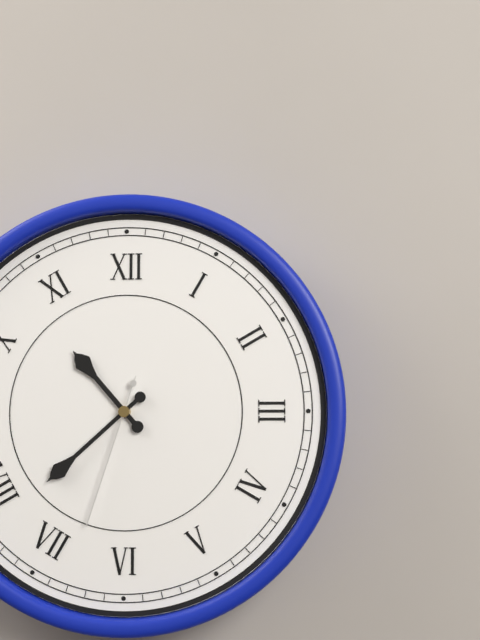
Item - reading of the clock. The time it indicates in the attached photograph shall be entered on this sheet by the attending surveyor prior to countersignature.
10:38:33
